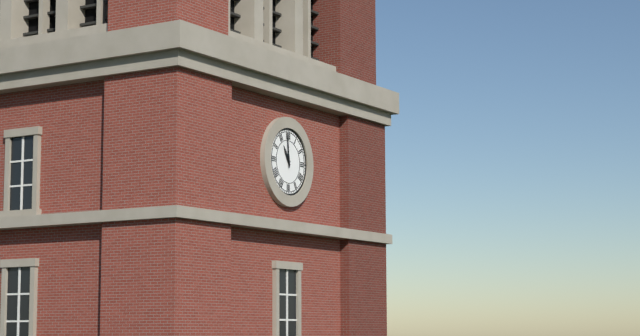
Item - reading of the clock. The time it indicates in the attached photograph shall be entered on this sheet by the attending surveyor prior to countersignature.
10:59
